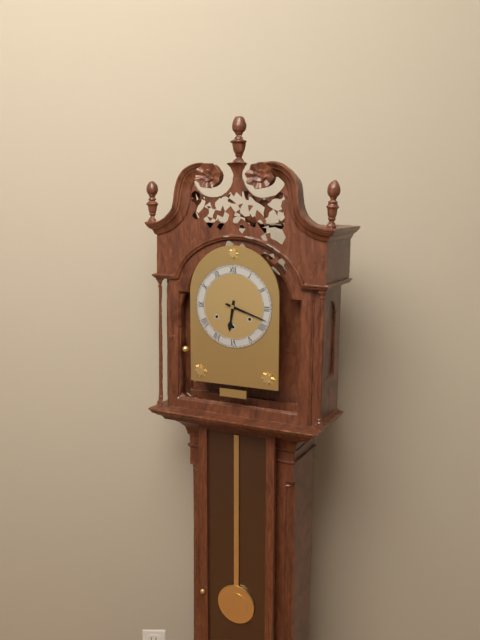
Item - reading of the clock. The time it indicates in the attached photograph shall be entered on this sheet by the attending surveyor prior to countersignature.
6:18
